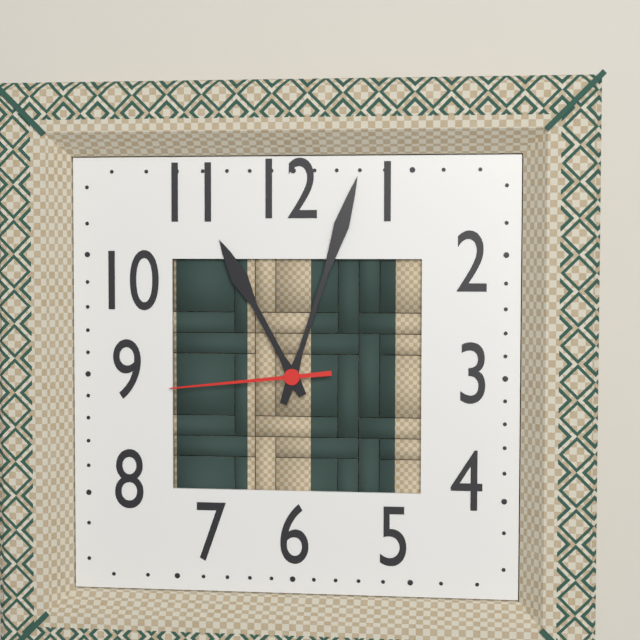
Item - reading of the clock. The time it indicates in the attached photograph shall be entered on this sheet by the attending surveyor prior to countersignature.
11:03:44
